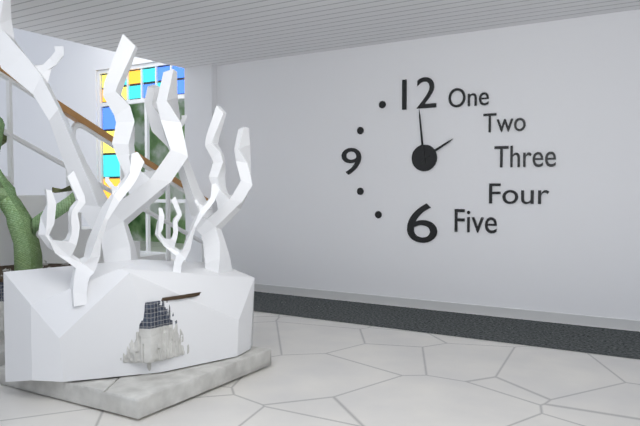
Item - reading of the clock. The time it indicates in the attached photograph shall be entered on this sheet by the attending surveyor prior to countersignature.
1:59
